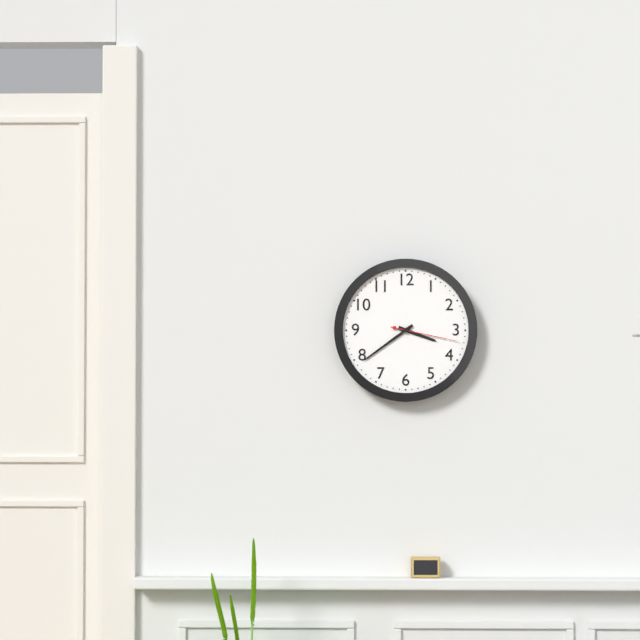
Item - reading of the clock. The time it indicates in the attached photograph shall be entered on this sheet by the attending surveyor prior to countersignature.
3:39:17
